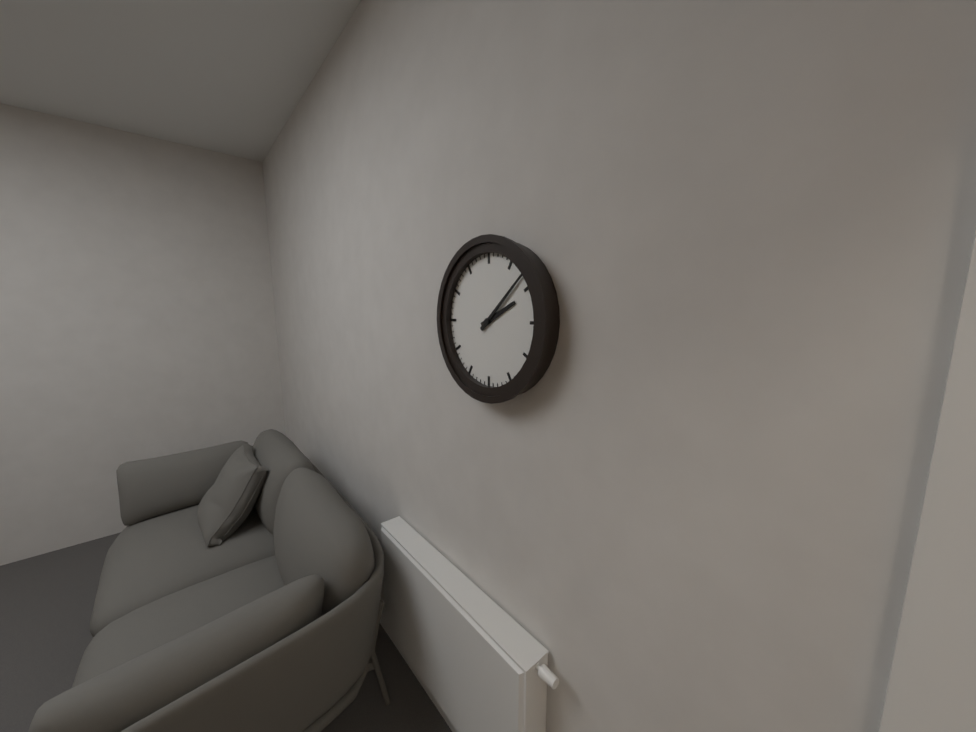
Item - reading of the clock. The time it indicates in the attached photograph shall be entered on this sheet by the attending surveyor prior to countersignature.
2:08
